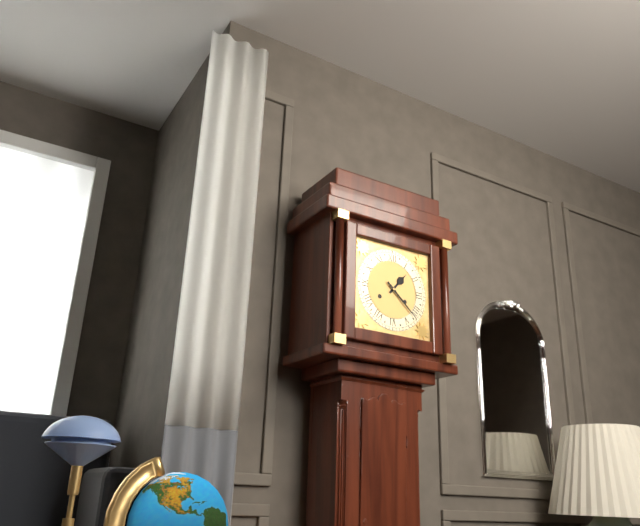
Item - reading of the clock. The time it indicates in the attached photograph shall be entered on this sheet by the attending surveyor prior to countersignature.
1:22
